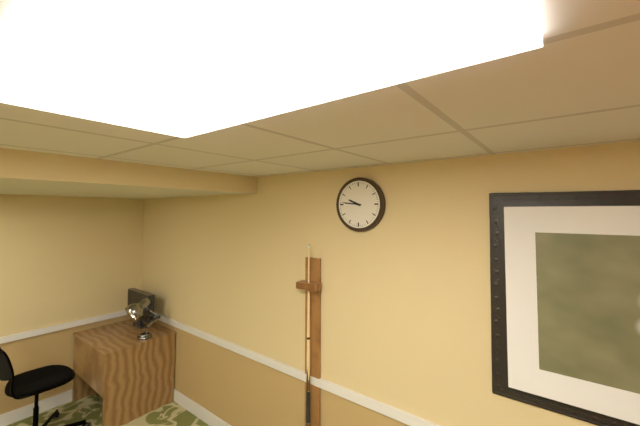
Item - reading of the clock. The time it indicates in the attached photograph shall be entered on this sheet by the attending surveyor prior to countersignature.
9:46
